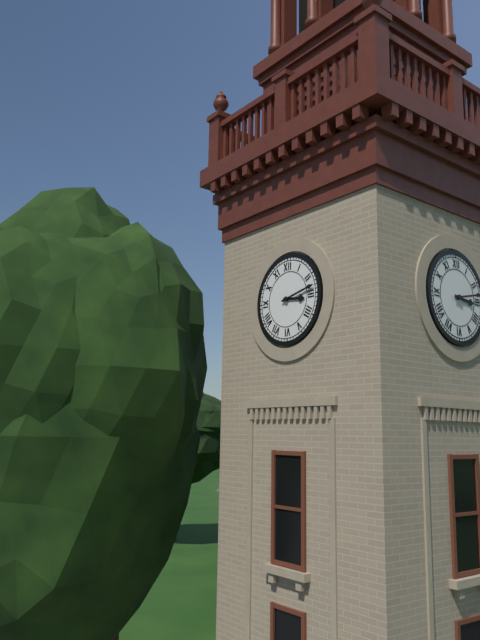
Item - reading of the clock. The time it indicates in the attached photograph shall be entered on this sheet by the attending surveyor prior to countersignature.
3:13
